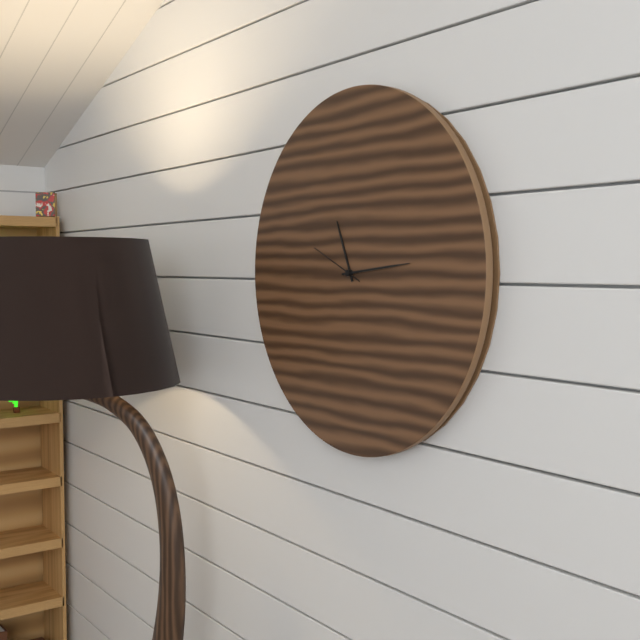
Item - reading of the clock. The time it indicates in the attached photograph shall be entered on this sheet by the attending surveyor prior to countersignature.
11:14:49
